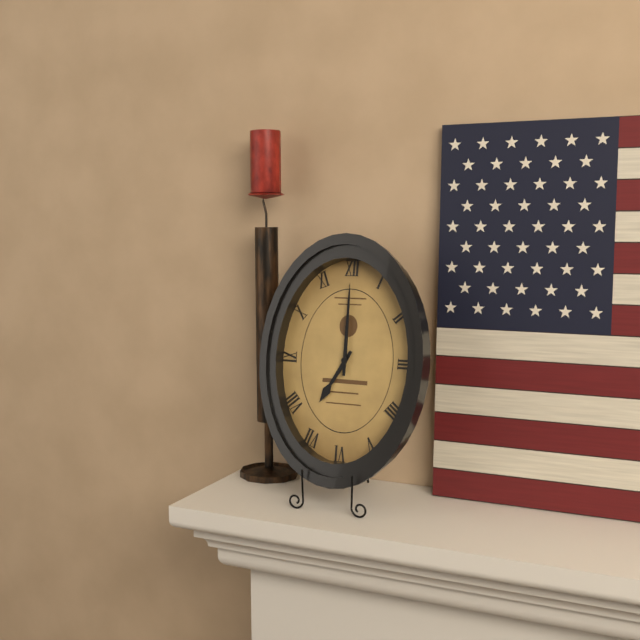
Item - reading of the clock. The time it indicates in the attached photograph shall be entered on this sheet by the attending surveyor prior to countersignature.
7:00
